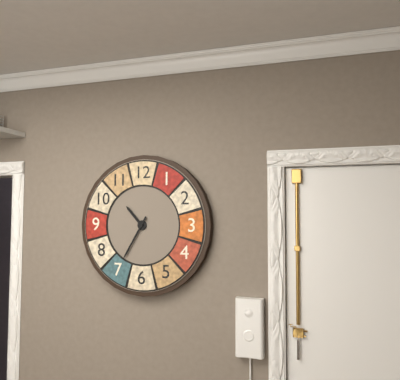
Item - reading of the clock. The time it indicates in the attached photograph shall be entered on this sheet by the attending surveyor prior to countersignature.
10:35
